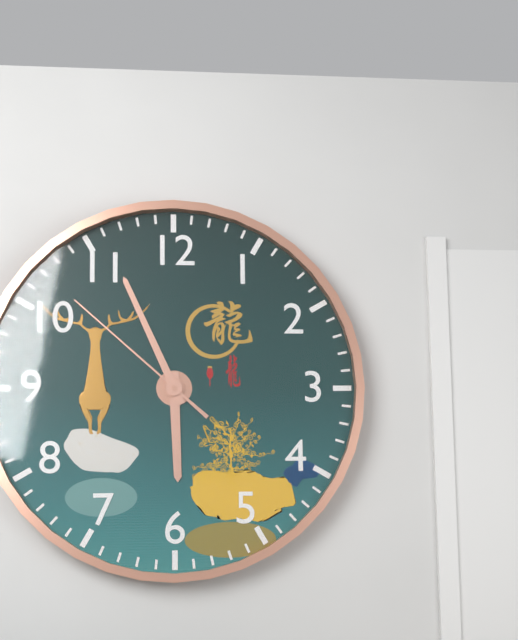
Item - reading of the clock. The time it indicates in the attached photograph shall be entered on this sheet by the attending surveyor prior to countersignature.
5:56:52
